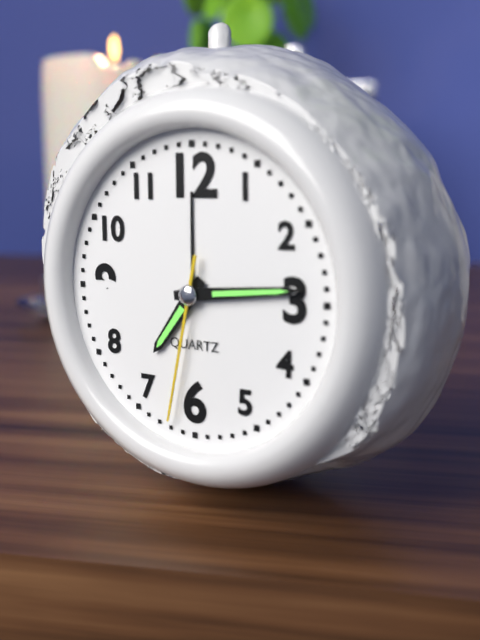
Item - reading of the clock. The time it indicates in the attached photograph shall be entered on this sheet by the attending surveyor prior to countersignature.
7:14:32
